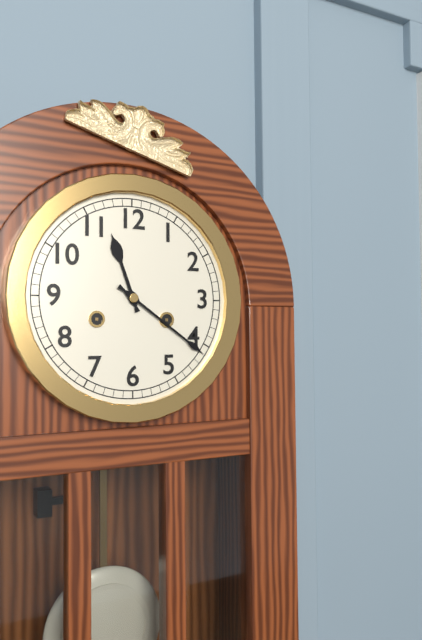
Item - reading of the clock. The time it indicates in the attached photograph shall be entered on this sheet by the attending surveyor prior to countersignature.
11:21
